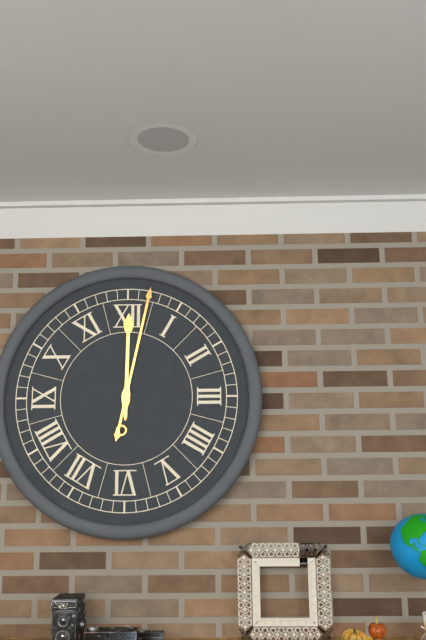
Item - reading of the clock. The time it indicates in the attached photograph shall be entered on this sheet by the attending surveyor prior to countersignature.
12:02
